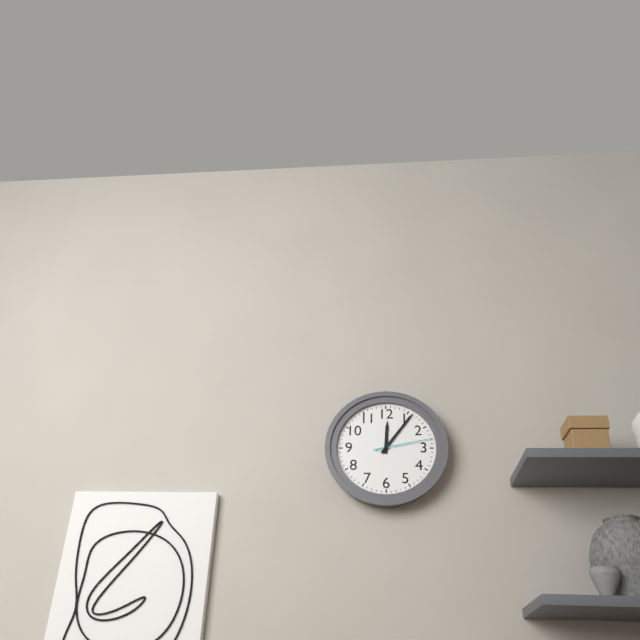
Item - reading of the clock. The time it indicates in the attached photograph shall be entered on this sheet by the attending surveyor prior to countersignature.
12:06:13
